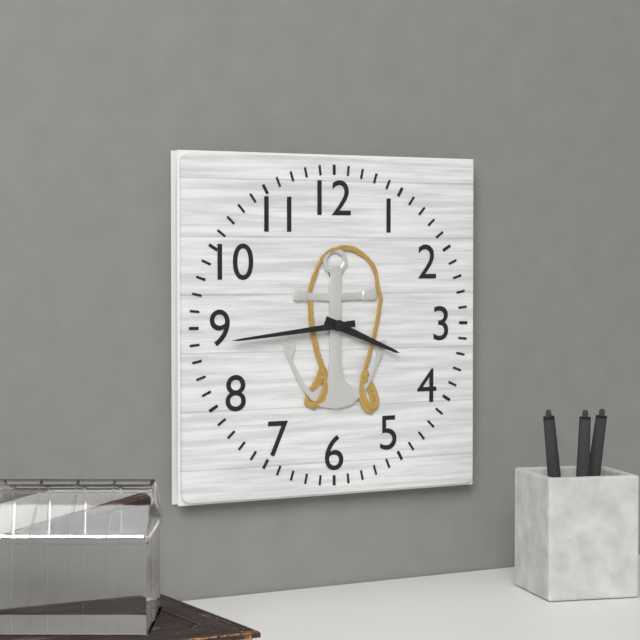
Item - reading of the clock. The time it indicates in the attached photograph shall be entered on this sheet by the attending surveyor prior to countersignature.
3:44
